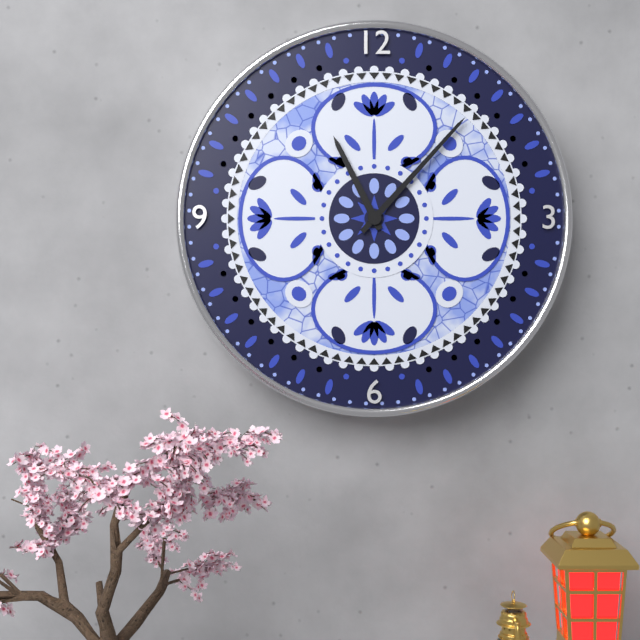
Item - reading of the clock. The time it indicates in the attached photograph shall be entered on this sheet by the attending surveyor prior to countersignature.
11:07
